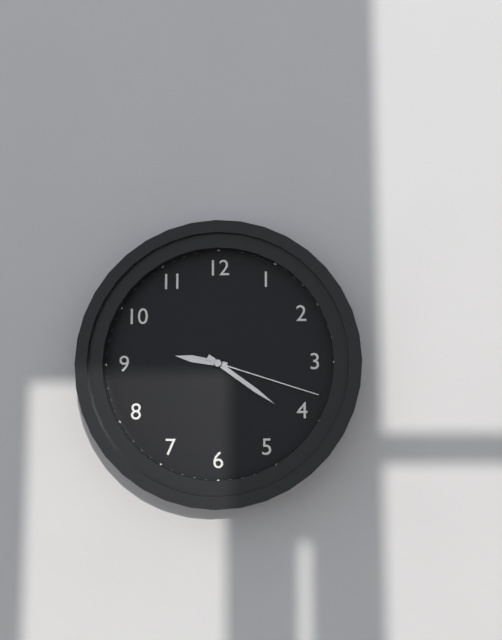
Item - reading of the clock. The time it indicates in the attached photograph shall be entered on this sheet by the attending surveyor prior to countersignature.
9:21:18
